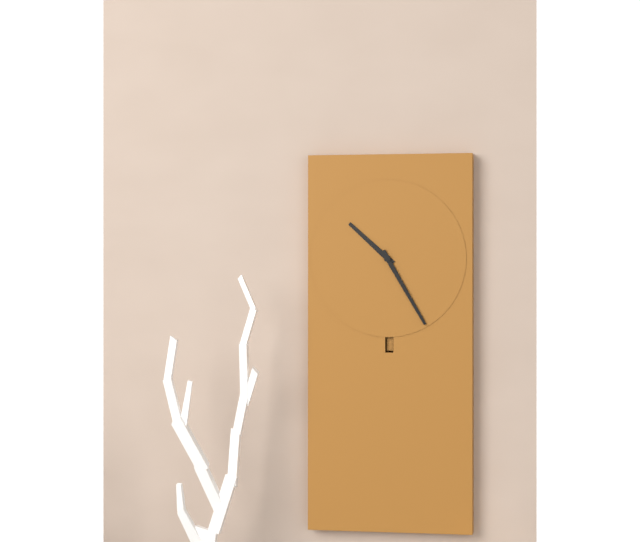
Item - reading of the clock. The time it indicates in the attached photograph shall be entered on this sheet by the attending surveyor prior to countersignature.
10:25
